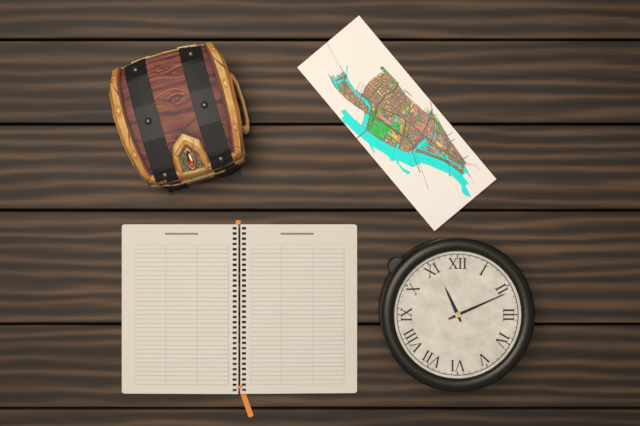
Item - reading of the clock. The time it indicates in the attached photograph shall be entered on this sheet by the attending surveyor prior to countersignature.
11:11
